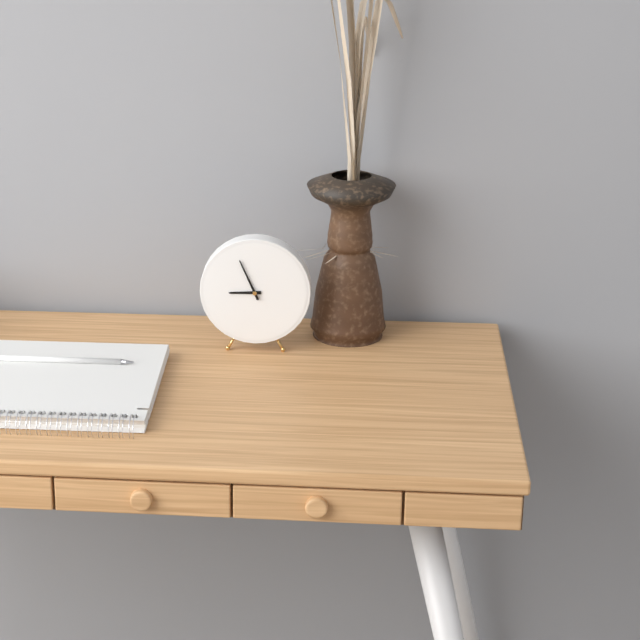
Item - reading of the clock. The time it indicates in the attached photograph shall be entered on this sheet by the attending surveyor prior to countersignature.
8:56
